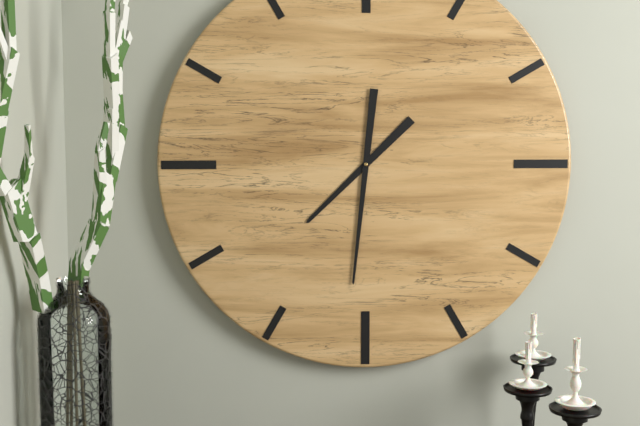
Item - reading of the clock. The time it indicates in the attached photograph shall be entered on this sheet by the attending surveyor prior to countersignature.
7:31
